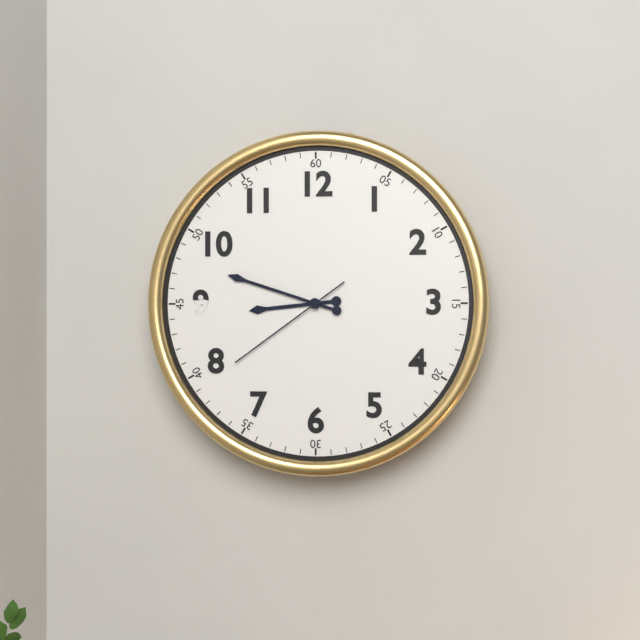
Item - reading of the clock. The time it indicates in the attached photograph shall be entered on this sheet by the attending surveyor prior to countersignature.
8:48:39
